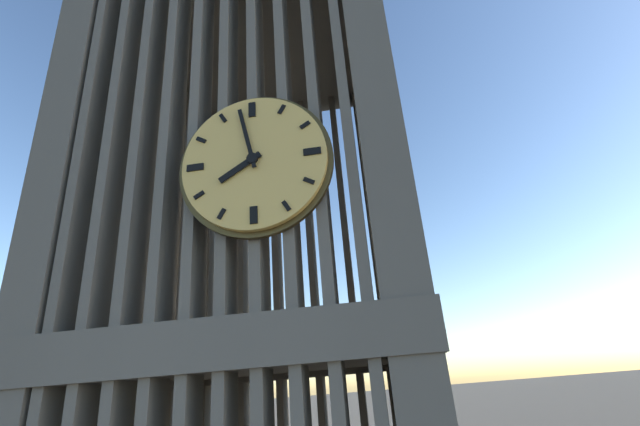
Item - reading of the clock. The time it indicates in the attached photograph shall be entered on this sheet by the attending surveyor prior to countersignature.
7:58
